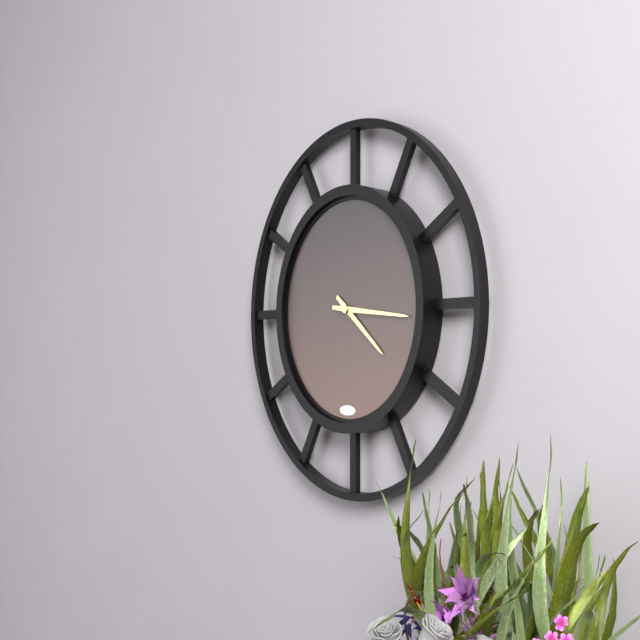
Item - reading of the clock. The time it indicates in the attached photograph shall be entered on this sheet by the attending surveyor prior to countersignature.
4:16
